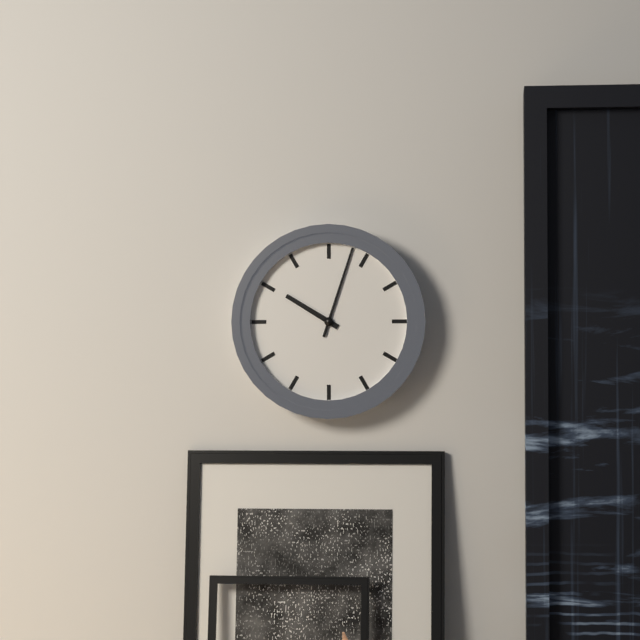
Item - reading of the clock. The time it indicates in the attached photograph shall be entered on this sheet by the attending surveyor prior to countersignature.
10:03
